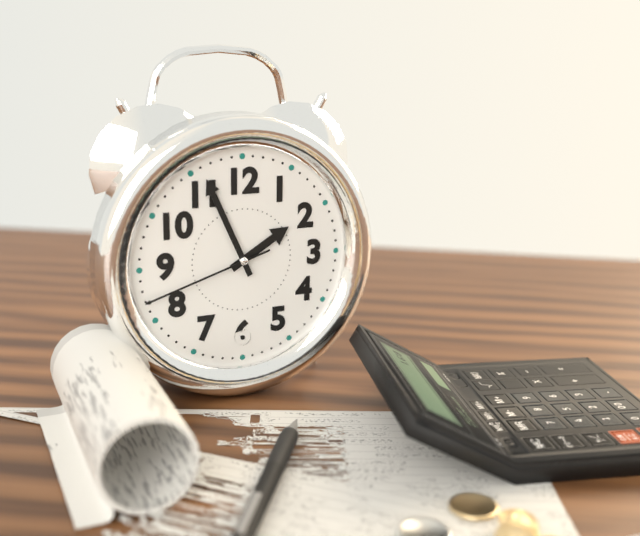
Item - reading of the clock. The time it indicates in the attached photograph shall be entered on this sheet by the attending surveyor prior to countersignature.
1:56:42
